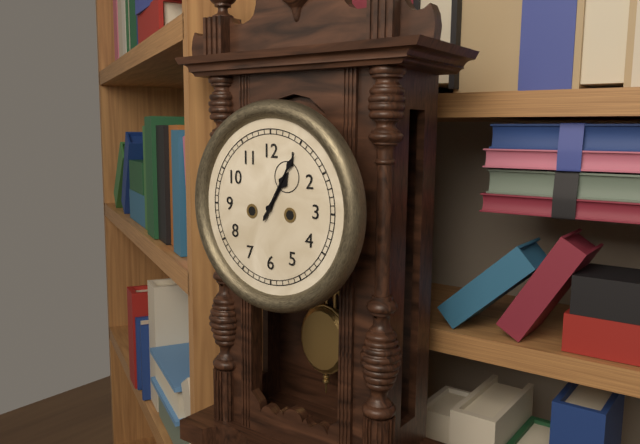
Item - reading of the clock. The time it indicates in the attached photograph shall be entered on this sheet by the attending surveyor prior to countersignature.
1:05
